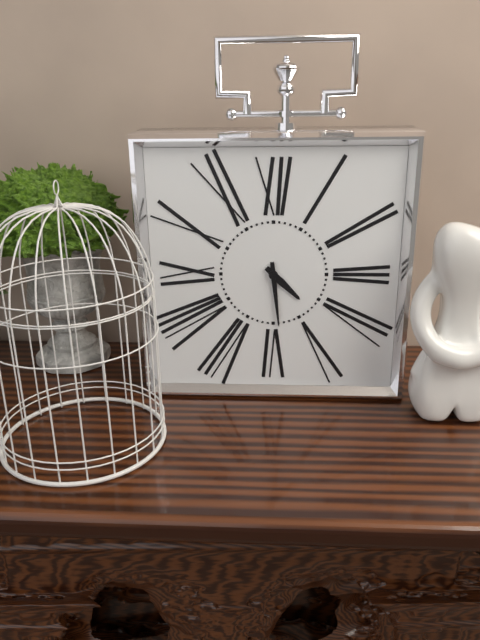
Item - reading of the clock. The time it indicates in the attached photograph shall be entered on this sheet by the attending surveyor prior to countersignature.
4:29
